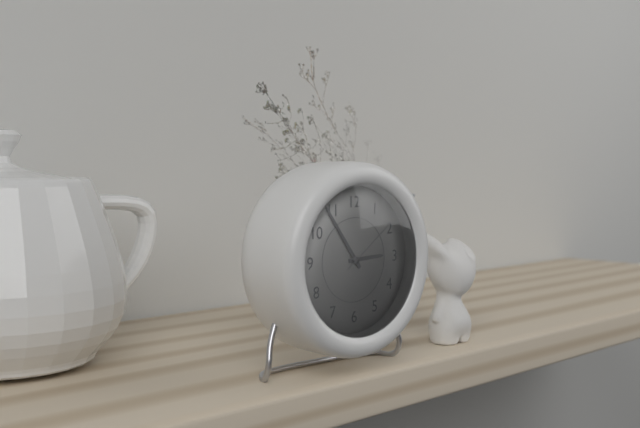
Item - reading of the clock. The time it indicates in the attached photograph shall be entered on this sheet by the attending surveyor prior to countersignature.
2:54:09
